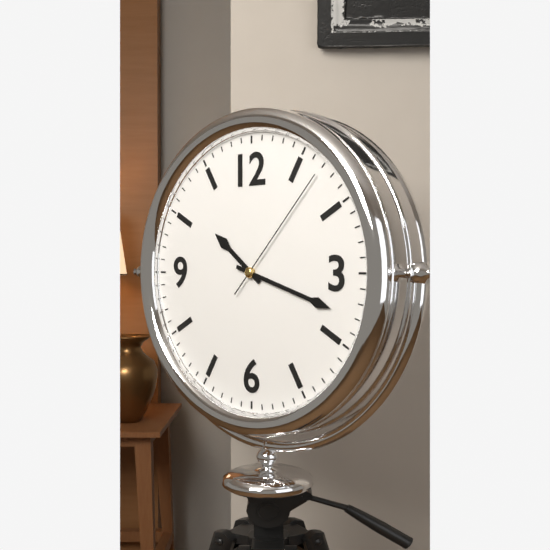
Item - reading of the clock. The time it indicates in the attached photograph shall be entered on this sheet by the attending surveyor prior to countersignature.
10:18:07
